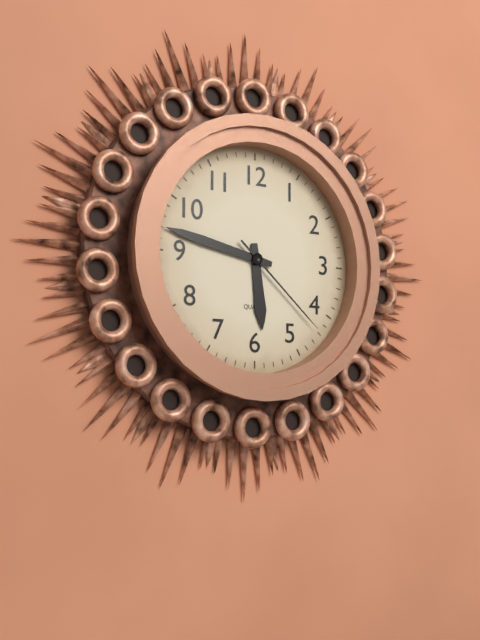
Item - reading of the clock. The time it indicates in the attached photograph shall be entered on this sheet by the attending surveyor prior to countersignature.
5:47:22
